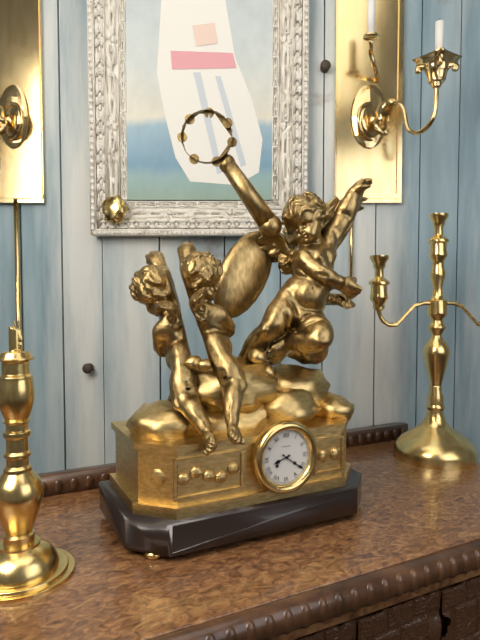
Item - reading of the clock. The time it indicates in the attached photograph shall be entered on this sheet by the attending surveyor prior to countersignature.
8:21
